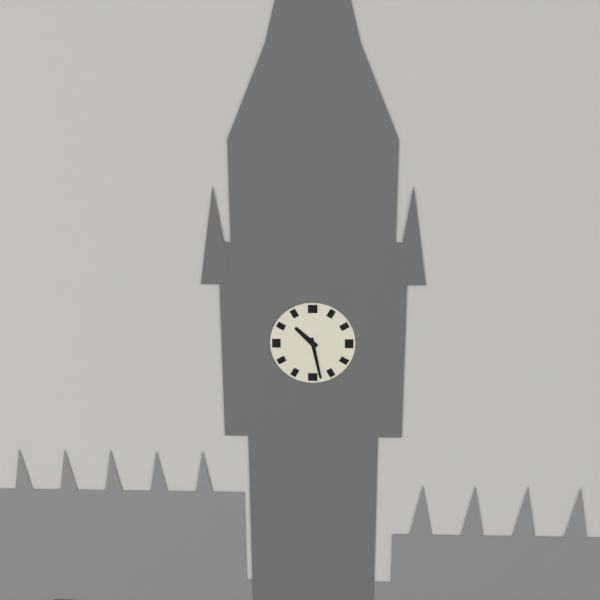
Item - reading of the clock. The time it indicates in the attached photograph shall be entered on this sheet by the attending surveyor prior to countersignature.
10:28
